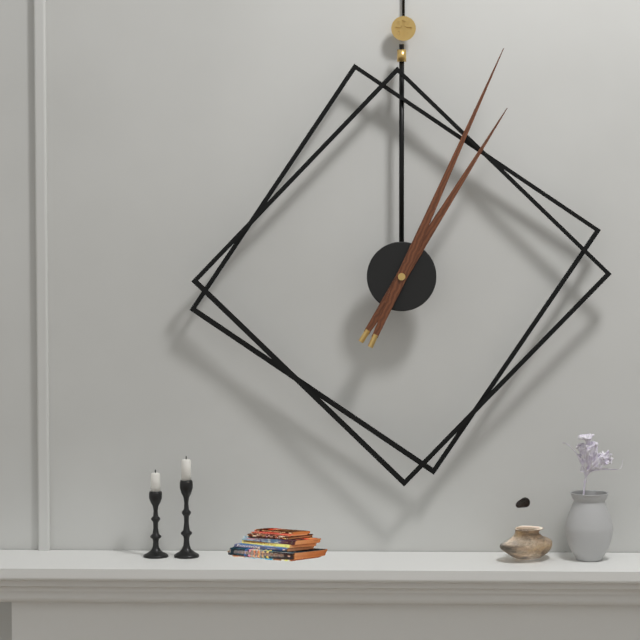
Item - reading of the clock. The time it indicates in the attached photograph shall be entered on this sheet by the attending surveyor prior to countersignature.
1:04
